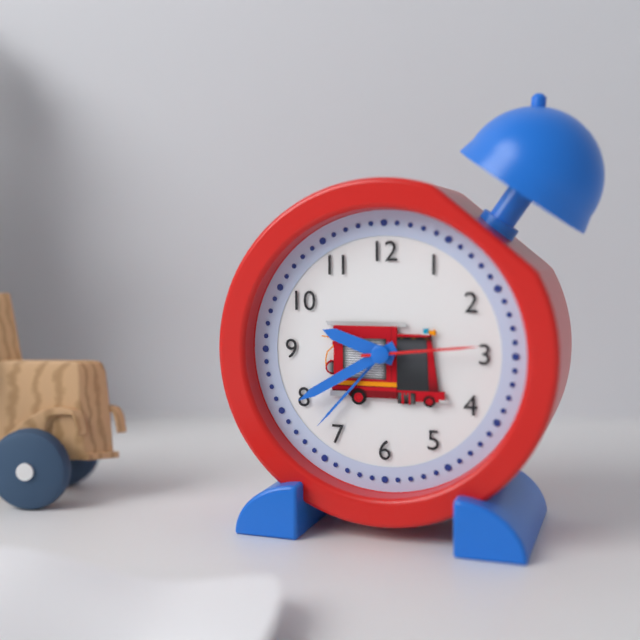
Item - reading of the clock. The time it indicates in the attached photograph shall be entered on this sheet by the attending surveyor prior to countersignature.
9:40:14
